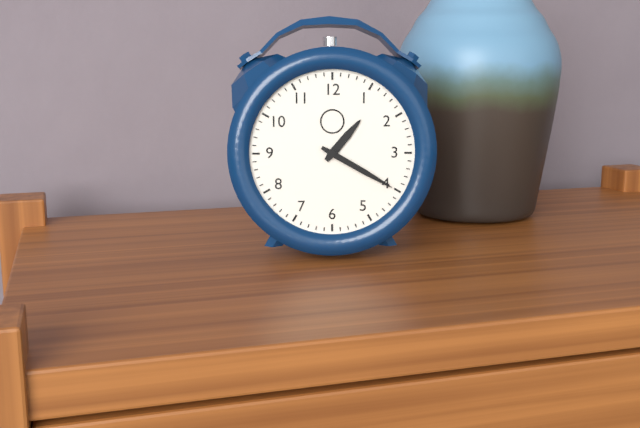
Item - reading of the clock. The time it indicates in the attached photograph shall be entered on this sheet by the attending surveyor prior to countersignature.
1:20
